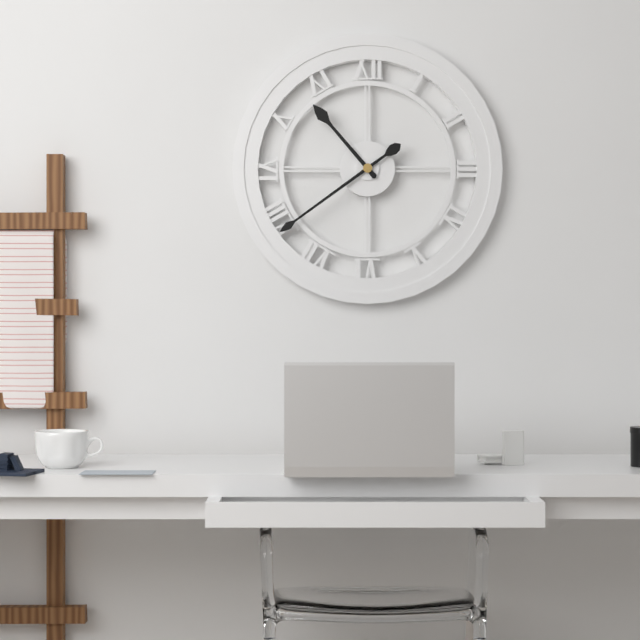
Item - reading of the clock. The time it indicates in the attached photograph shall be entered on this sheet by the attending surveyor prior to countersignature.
10:39
